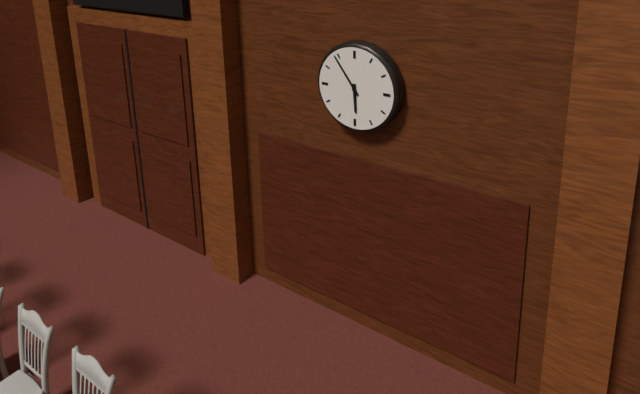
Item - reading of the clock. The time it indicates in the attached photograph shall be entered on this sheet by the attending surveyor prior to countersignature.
5:54
